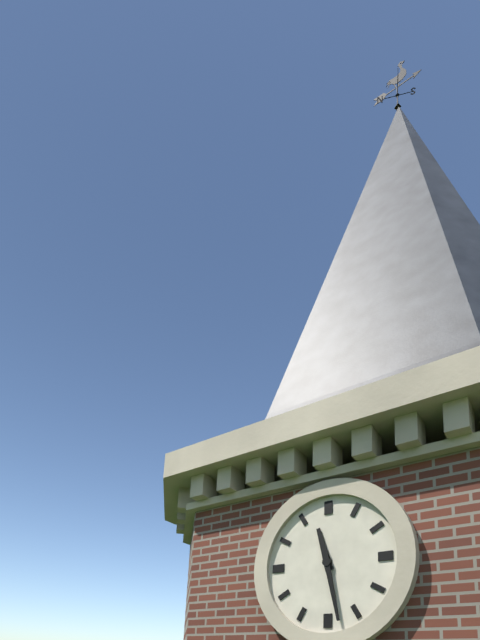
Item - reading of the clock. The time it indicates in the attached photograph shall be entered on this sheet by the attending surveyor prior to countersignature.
11:28
